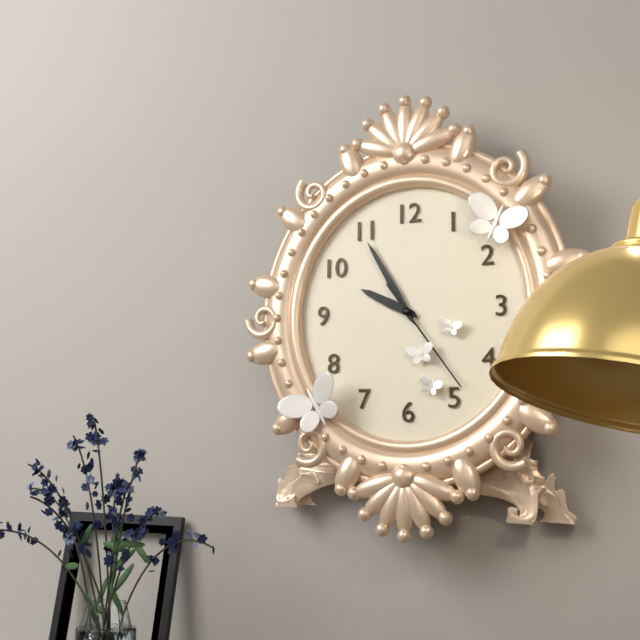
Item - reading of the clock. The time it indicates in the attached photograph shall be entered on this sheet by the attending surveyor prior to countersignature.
9:55:24
